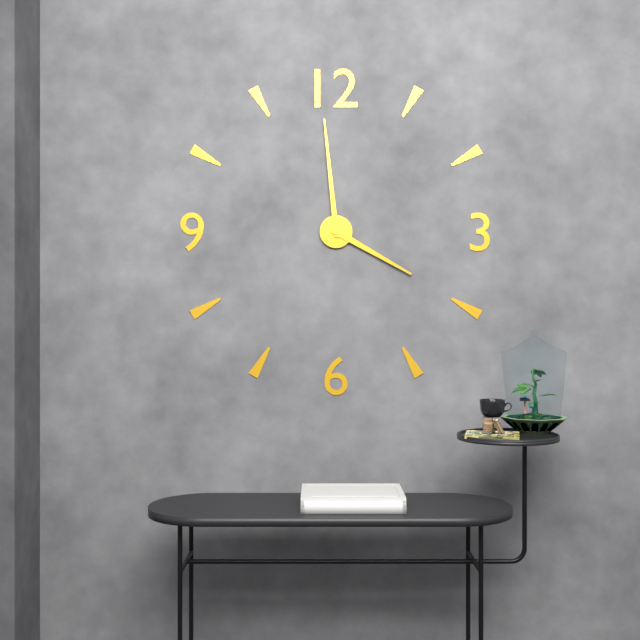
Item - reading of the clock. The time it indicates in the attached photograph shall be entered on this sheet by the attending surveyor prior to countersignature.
3:59
